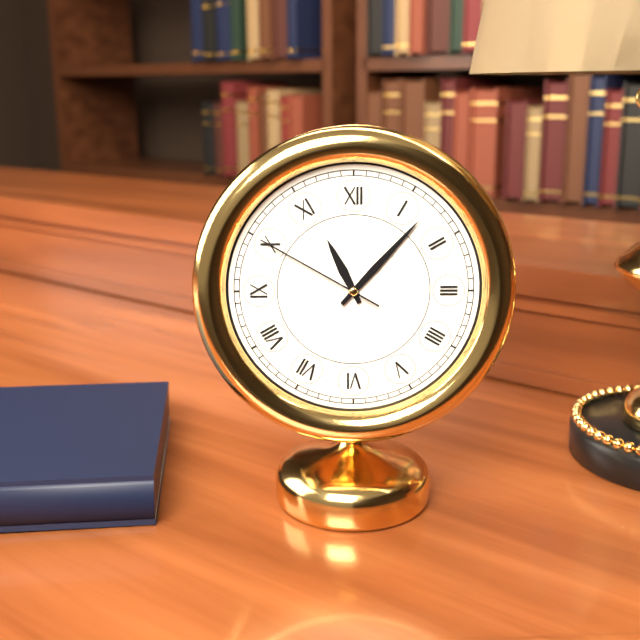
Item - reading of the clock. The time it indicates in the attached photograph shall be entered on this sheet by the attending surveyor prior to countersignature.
11:07:50
